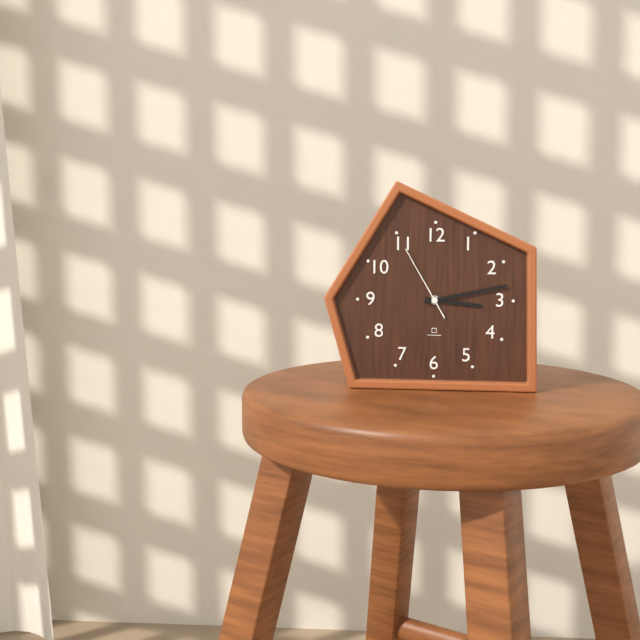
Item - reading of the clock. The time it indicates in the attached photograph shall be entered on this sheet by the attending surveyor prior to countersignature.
3:13:55
